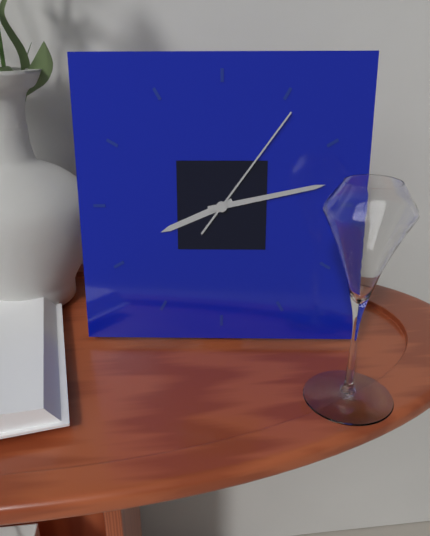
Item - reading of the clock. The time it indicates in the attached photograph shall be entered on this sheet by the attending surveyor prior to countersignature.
8:13:06
